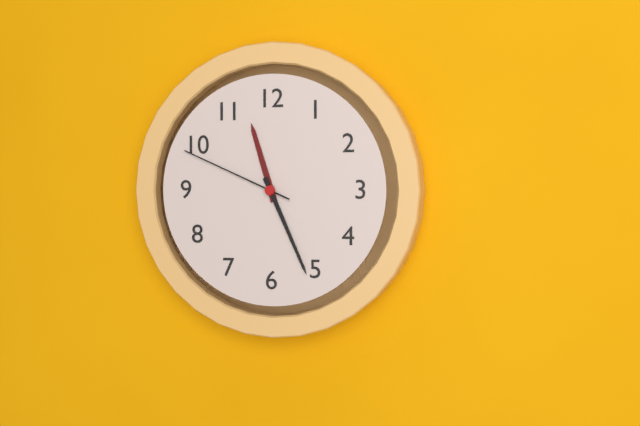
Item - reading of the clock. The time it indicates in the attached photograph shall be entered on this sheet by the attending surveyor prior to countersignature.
11:26:49
